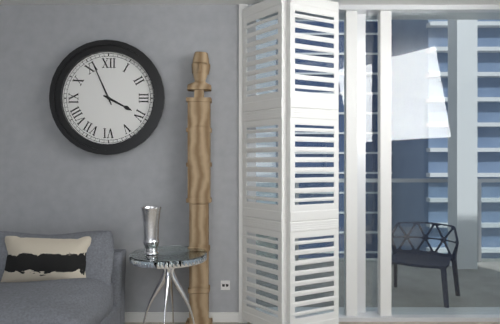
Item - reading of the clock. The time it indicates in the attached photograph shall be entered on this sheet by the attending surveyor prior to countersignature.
3:56
